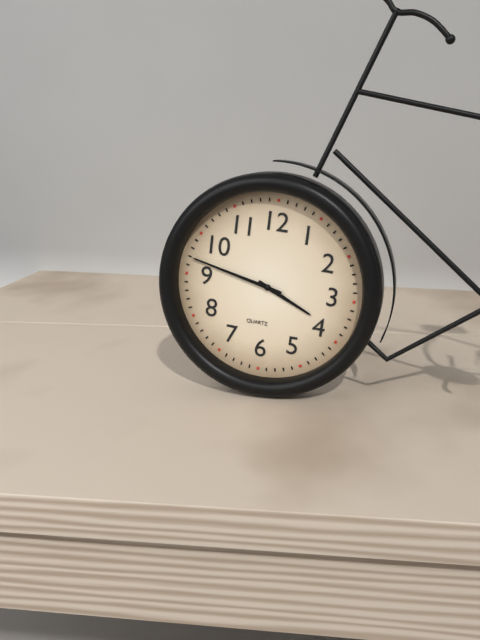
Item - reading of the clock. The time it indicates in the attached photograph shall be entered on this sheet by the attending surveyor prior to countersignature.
3:47
